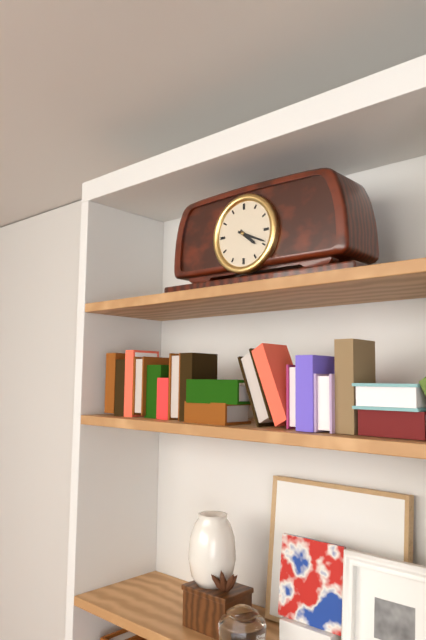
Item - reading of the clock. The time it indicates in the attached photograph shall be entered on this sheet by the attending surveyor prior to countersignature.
4:19
